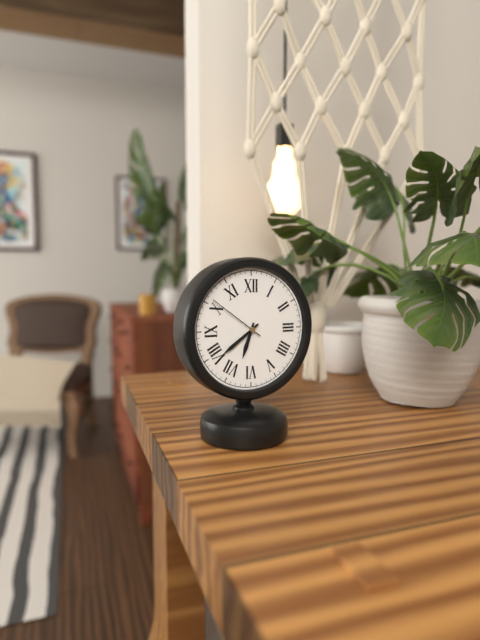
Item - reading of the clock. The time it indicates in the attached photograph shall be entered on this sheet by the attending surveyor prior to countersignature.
6:39:51
